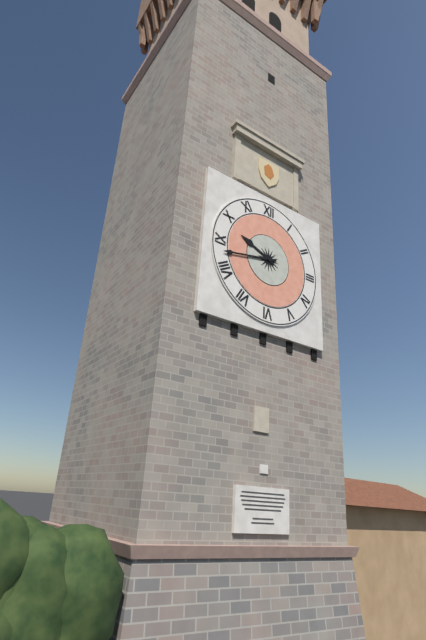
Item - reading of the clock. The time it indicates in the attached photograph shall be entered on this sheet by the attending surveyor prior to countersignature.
9:43
